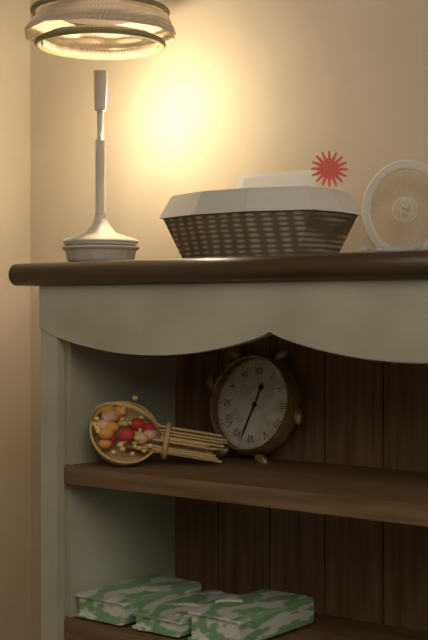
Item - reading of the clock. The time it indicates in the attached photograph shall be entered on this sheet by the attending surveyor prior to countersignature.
12:33
